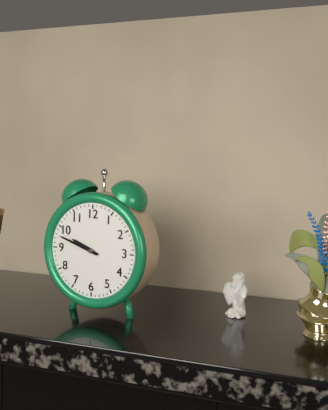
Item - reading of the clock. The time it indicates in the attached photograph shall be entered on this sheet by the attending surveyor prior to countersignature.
9:48
